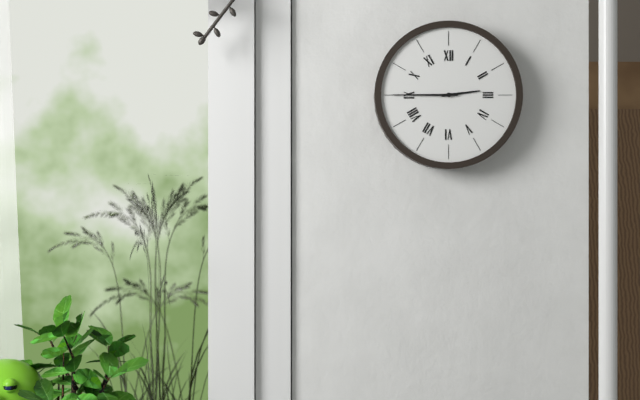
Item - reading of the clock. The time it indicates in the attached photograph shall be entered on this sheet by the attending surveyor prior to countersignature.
2:45
